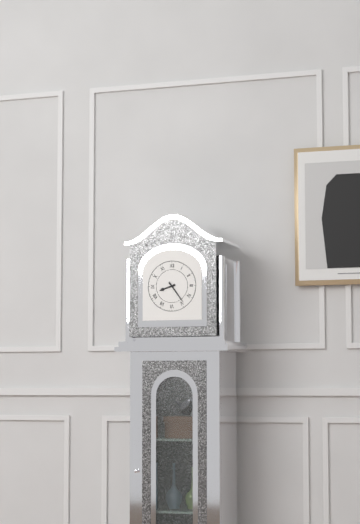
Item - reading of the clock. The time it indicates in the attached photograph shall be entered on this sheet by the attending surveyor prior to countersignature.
8:24
